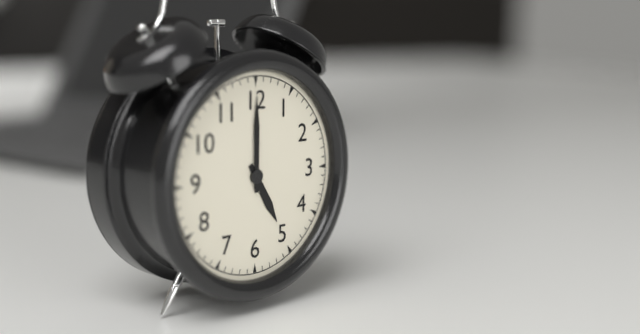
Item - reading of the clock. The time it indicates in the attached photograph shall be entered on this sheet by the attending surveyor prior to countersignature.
5:00
